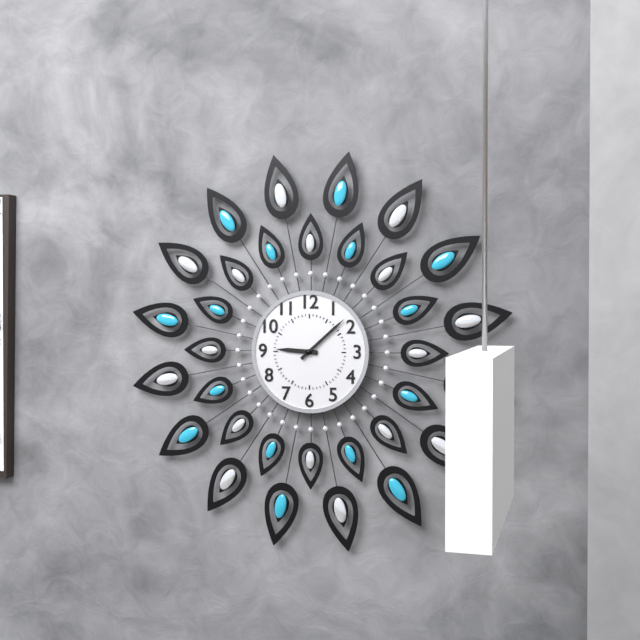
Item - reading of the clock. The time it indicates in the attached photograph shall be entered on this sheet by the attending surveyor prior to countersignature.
9:08
